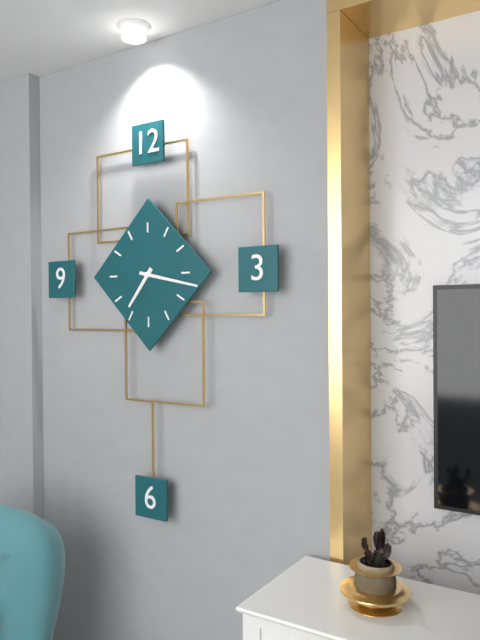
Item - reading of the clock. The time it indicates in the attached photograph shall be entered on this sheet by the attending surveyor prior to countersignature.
7:17
